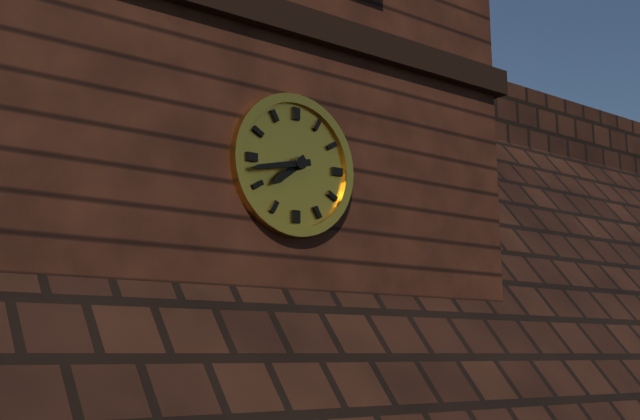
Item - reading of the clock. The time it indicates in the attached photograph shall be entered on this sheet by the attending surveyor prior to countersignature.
7:43
